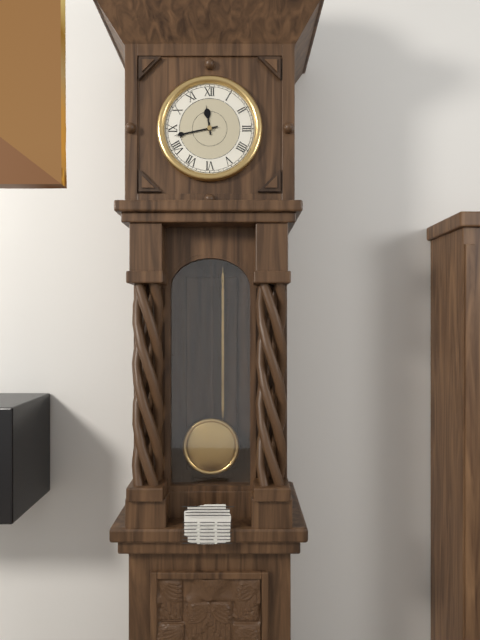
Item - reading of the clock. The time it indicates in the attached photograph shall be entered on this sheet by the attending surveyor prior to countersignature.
11:43
